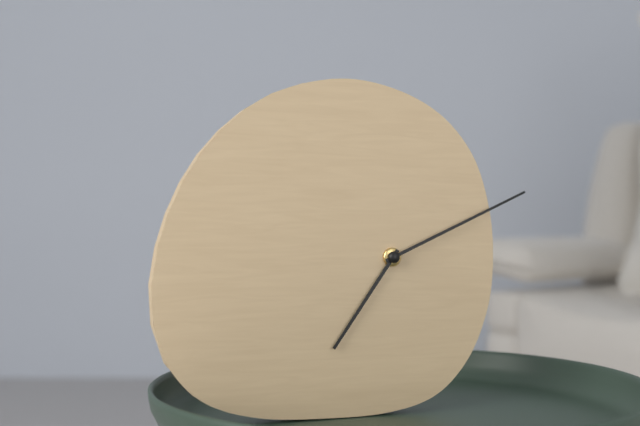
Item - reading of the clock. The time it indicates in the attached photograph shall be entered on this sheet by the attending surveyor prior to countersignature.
7:11
